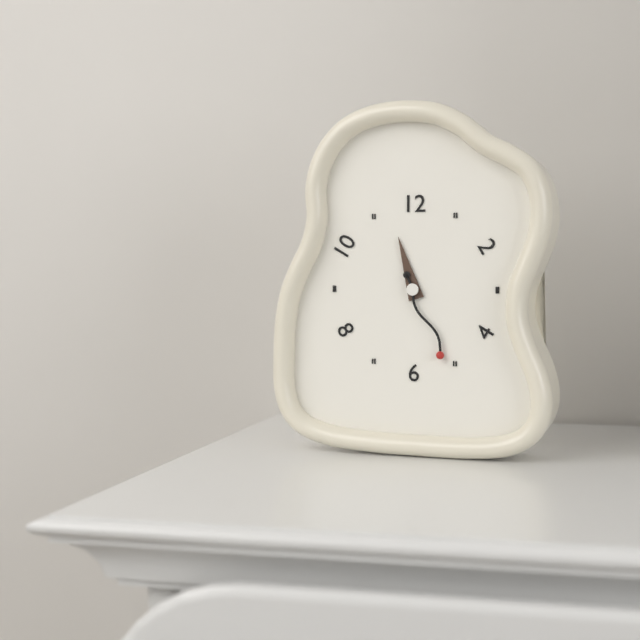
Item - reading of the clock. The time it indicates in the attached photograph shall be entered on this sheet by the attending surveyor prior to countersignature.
11:26
